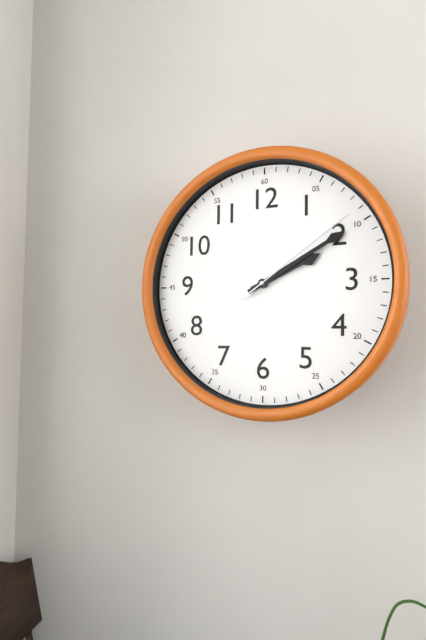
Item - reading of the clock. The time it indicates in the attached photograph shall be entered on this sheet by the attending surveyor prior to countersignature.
2:10:09
